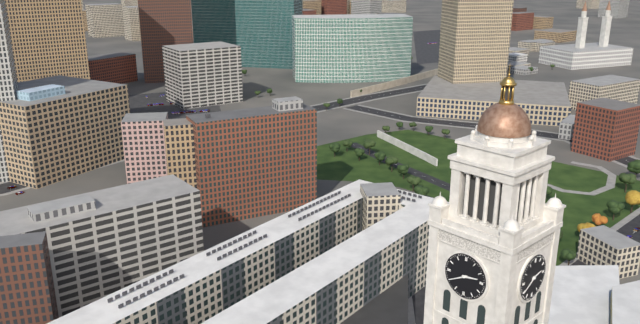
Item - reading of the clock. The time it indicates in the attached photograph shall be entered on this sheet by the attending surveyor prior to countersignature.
2:40
